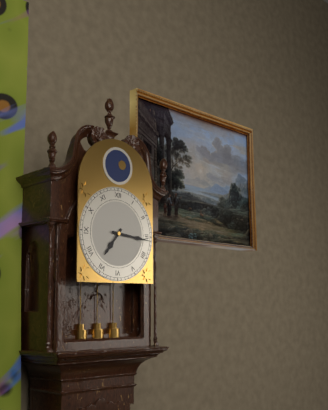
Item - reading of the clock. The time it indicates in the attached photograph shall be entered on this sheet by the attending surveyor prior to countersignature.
7:16
